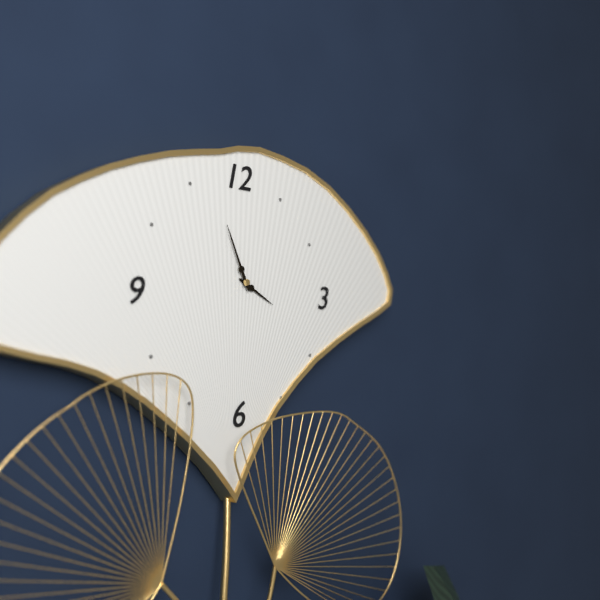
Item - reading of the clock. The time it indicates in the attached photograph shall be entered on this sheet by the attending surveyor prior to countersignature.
3:56
